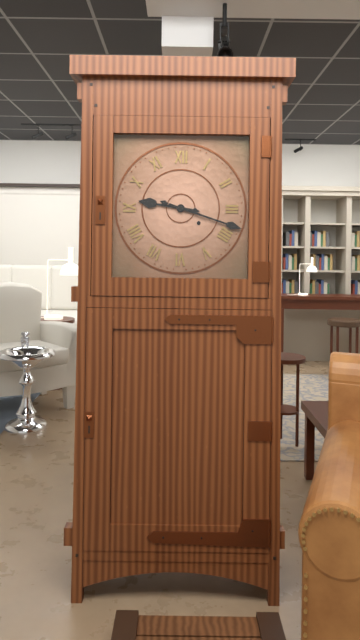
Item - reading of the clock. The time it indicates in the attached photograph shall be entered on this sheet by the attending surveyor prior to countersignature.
9:18
